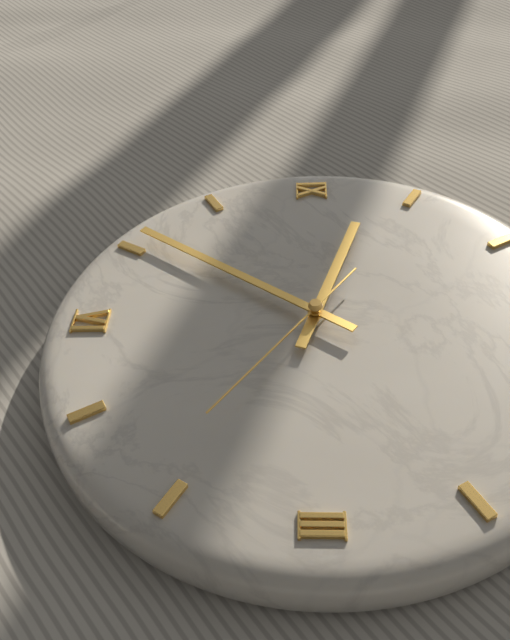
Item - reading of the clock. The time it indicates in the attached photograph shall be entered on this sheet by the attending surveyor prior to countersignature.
9:36:21
